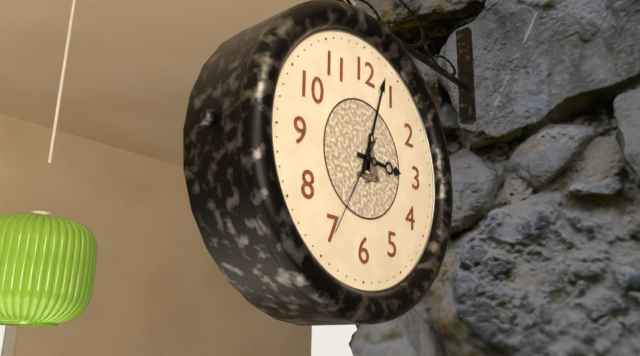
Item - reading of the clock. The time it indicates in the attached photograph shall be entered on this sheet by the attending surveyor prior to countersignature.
3:03:35
